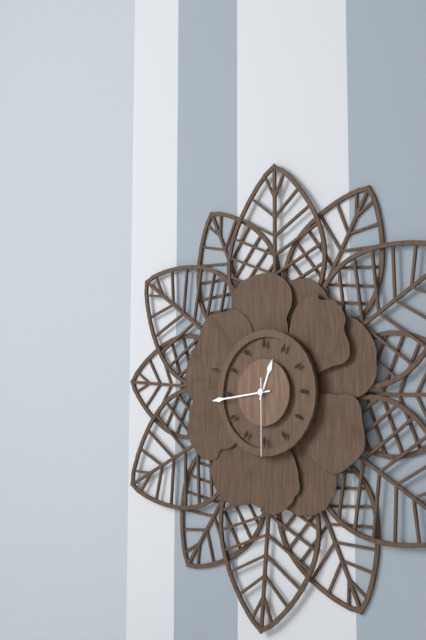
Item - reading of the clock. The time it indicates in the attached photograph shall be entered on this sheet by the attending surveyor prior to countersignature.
12:44:30
